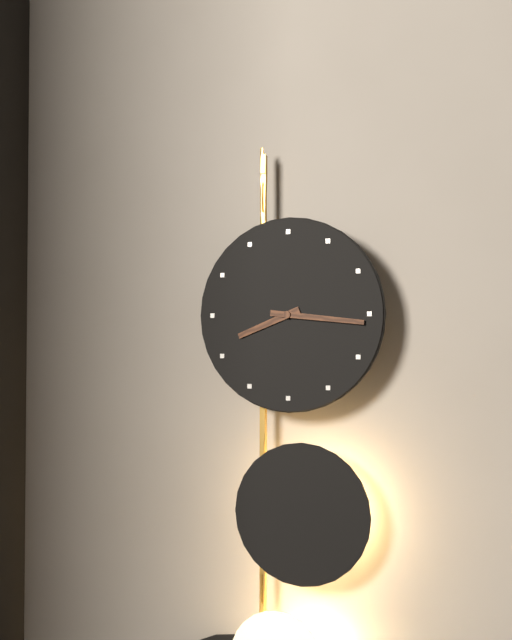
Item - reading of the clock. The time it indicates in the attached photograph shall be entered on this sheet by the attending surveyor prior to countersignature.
8:16
